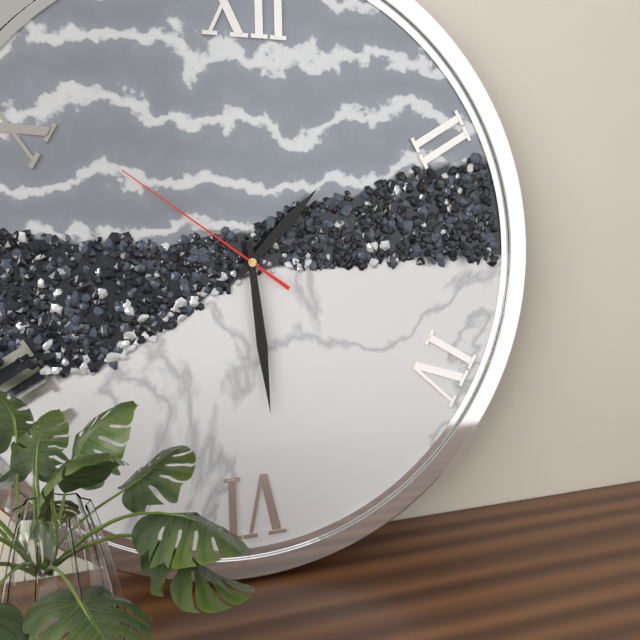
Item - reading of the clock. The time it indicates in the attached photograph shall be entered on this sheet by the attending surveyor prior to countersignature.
1:29:51
